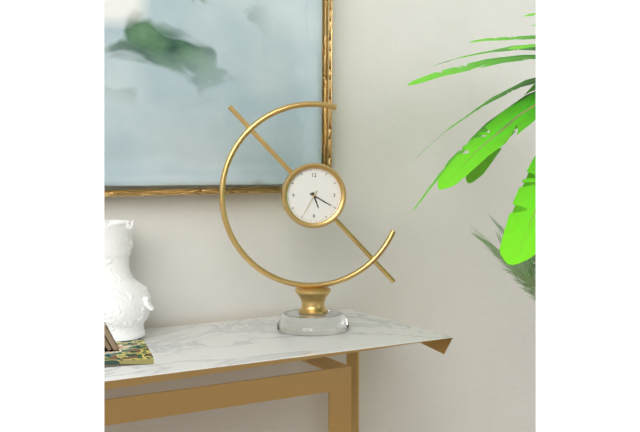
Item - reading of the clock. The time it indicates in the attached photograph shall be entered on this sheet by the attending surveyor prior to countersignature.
5:20
